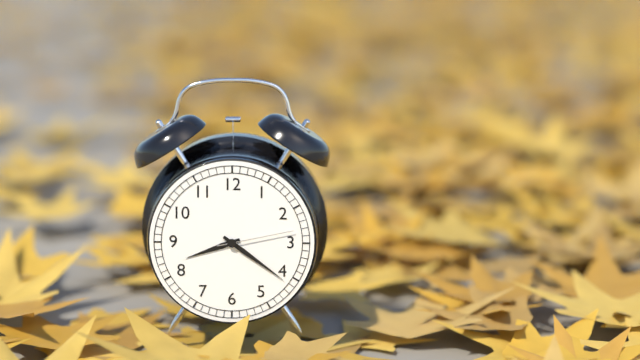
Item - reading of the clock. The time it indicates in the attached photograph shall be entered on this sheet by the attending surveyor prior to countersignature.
8:21:13
